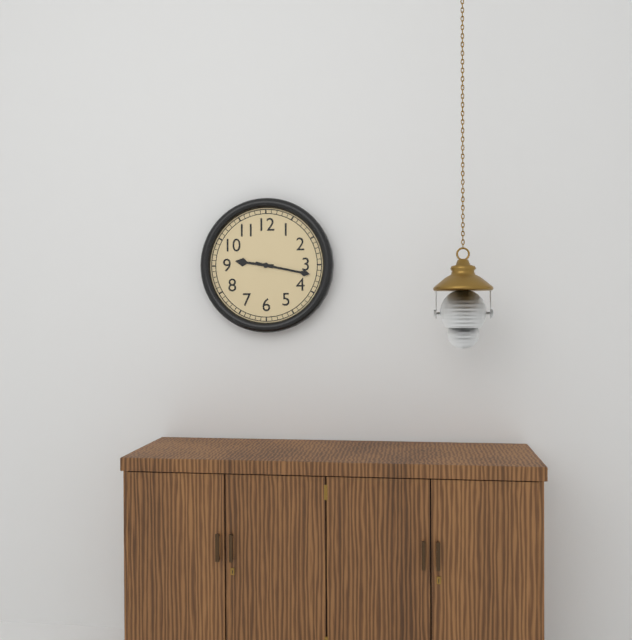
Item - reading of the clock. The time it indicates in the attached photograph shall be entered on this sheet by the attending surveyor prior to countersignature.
9:17
